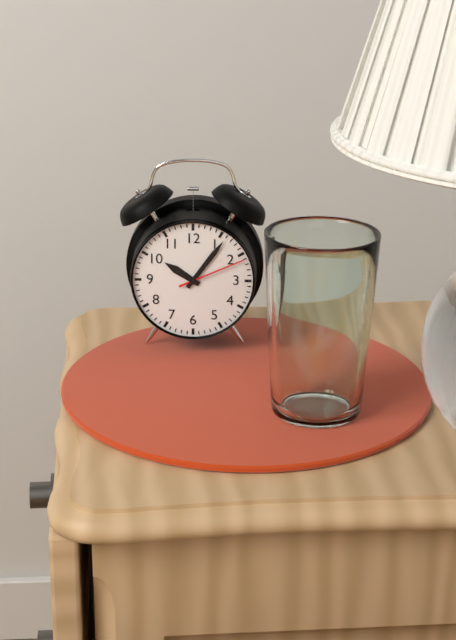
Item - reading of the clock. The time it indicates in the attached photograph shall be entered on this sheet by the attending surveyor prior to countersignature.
10:06:11
